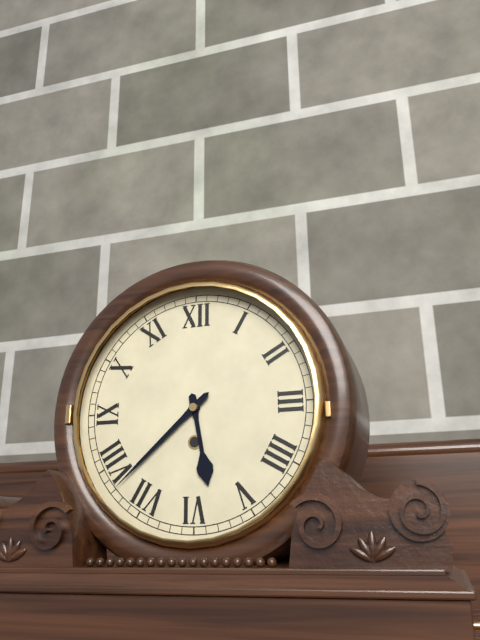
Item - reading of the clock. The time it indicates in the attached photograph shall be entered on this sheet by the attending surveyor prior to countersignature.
5:38
